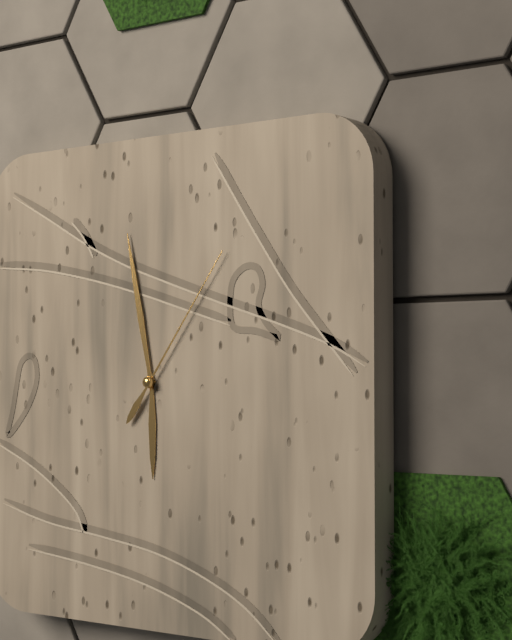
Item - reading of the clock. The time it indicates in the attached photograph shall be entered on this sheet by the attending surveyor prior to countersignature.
5:58:06
